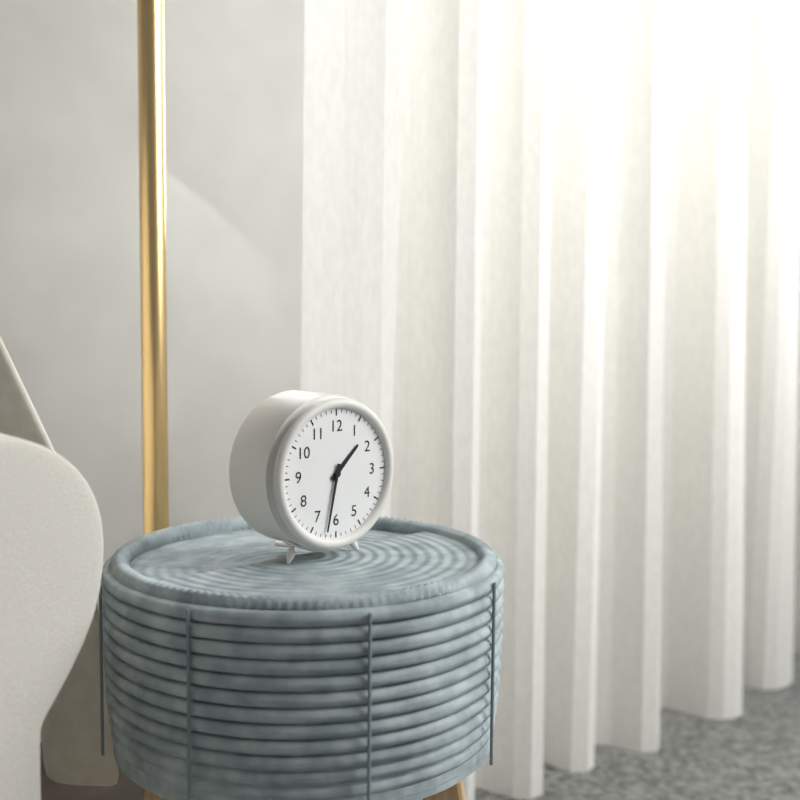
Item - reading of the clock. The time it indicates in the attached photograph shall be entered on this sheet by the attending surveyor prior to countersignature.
1:32
